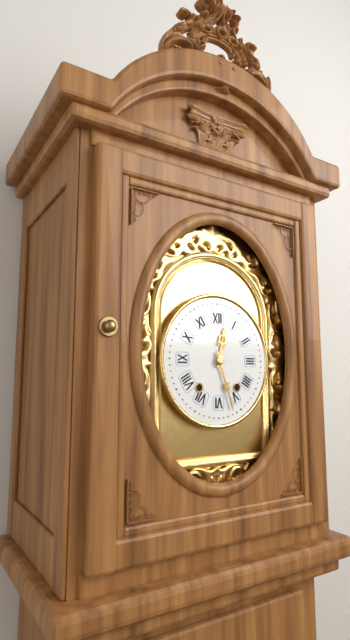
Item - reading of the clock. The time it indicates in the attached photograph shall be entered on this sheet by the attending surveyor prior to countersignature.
12:27
